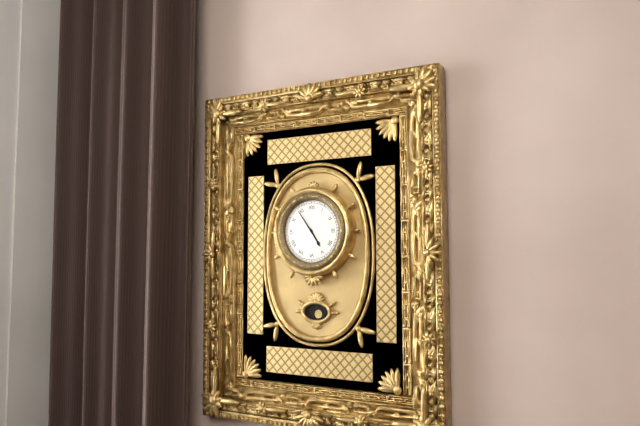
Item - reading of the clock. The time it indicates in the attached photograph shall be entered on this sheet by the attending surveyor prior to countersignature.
4:54
